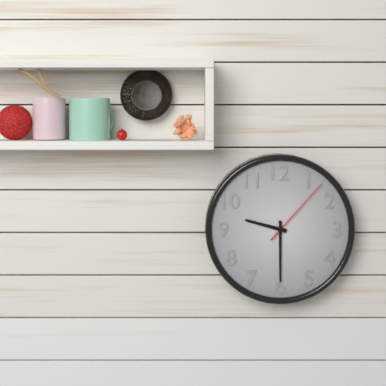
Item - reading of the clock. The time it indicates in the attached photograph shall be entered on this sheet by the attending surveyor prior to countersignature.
9:30:07
